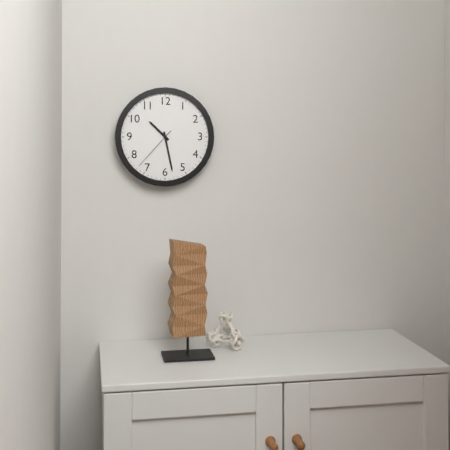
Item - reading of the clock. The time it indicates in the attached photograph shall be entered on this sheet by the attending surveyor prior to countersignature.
10:28
